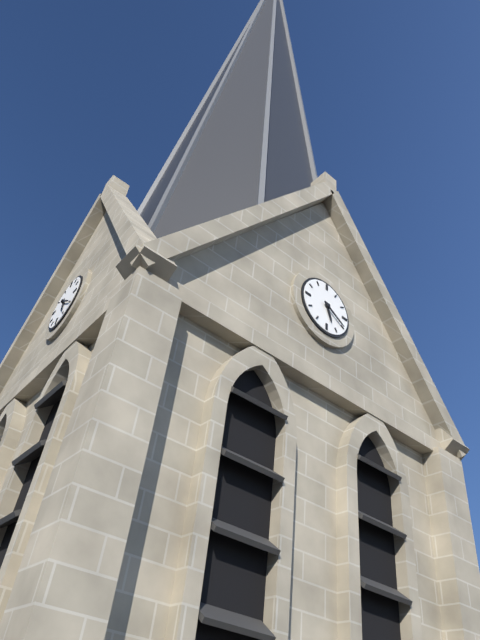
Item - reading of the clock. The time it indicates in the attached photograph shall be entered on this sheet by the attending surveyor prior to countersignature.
5:20
